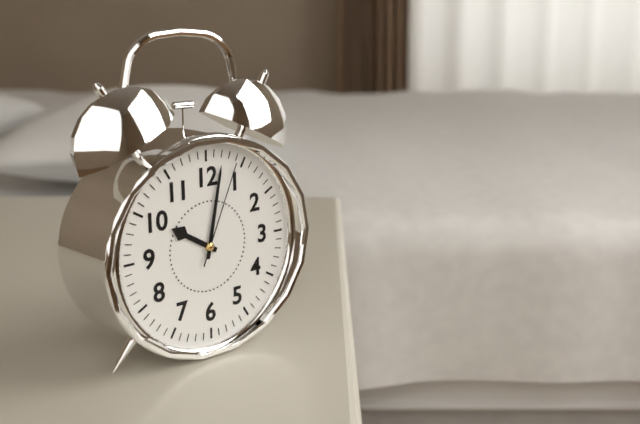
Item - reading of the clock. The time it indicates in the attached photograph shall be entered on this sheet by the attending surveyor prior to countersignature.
10:02:04
